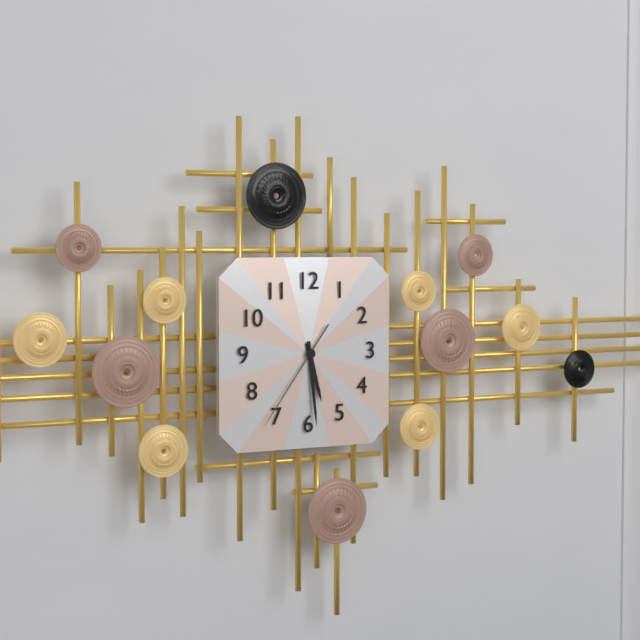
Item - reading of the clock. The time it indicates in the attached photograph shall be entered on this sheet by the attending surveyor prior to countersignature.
5:29:36
